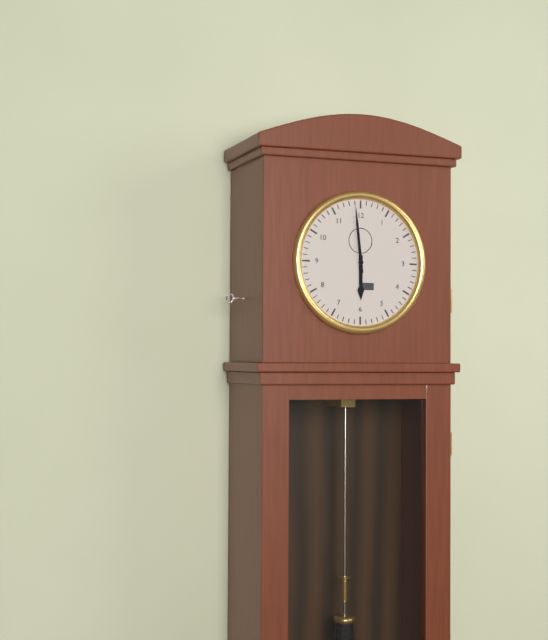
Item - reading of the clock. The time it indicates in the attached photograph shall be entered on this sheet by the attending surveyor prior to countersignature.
5:59
